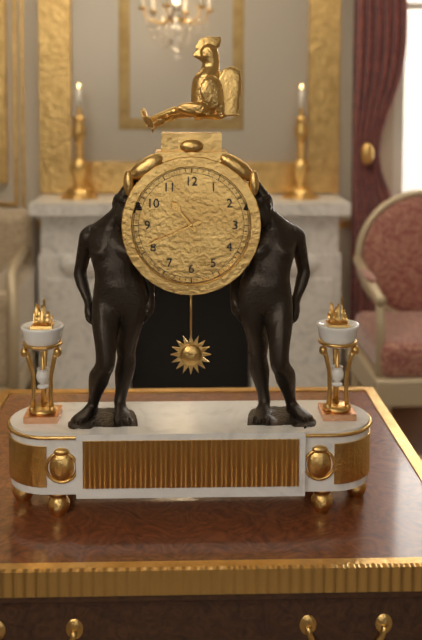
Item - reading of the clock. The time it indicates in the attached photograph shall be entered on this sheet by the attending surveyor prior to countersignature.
10:41
